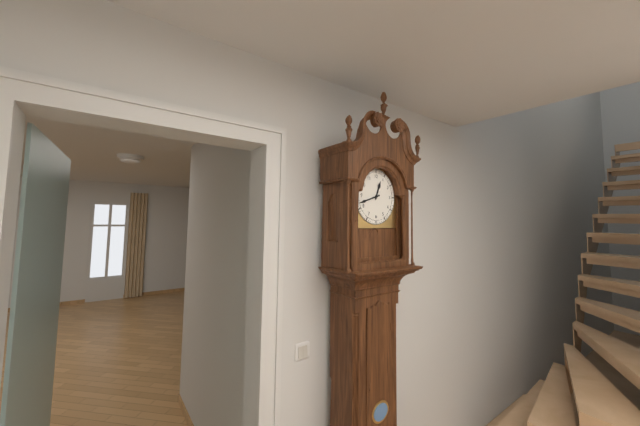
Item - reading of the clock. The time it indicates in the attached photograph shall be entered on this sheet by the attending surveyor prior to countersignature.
12:42
